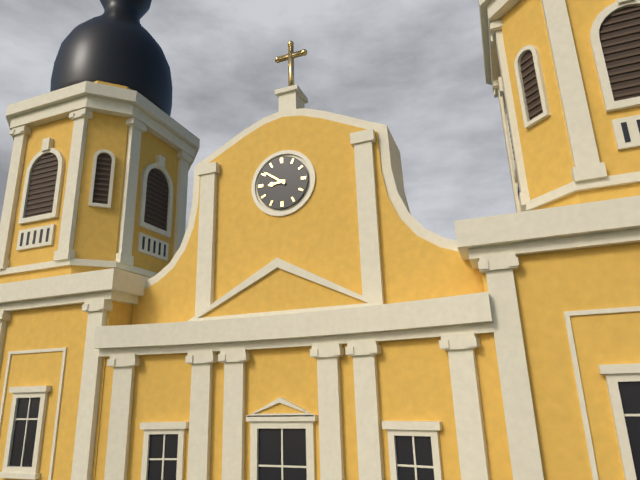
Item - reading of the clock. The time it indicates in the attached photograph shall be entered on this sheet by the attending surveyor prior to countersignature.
8:51
